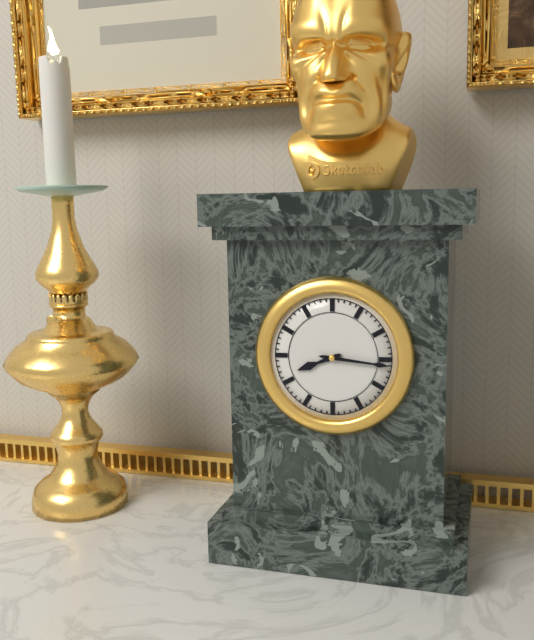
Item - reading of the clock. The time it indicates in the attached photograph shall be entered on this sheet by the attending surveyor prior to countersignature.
8:16
